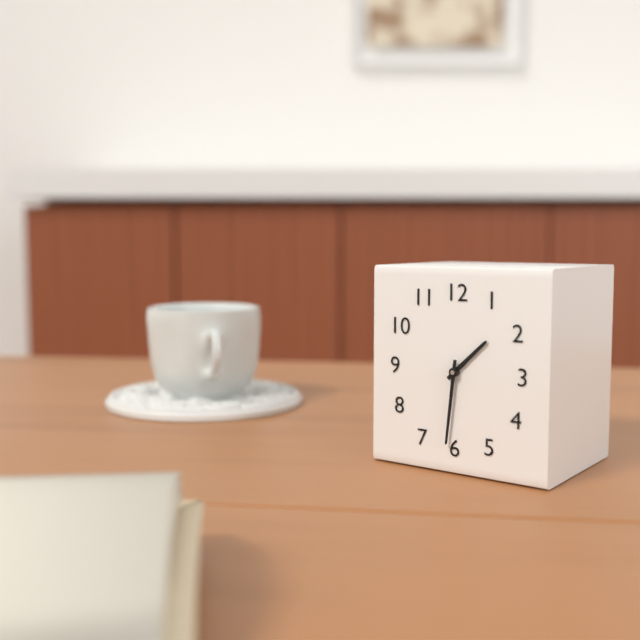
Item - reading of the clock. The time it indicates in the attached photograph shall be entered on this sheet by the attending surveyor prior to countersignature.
1:31
